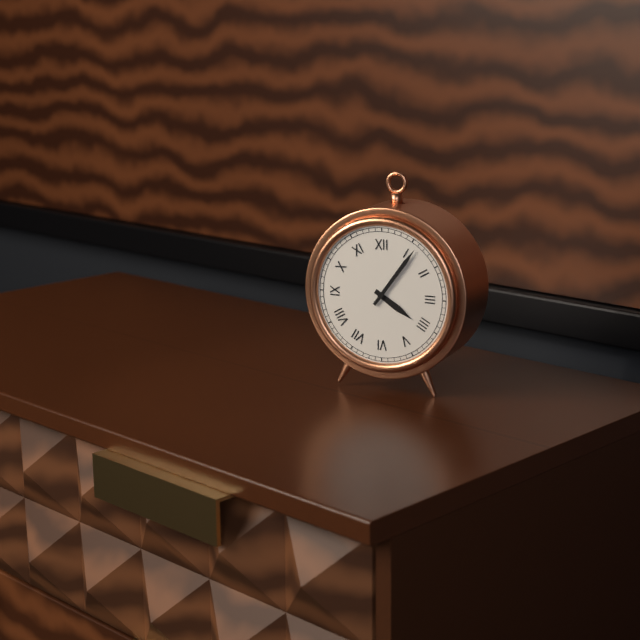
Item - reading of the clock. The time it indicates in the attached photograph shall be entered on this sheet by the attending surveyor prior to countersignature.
4:06
